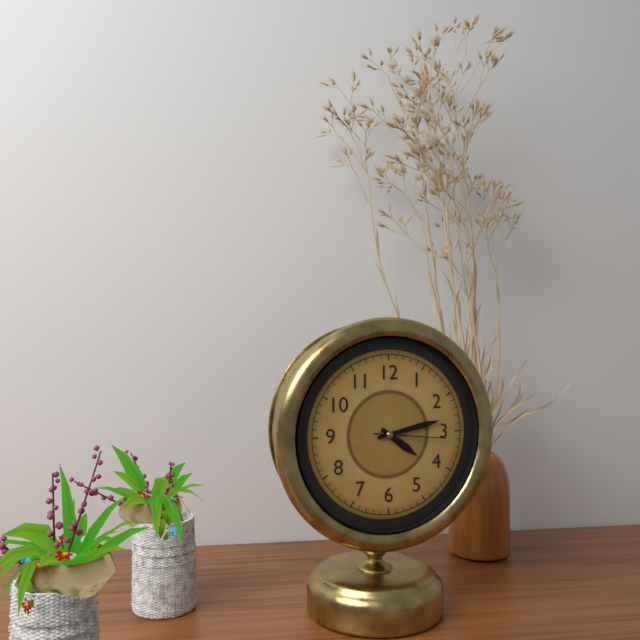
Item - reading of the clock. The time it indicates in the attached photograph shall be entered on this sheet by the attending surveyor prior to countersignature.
4:13:16
